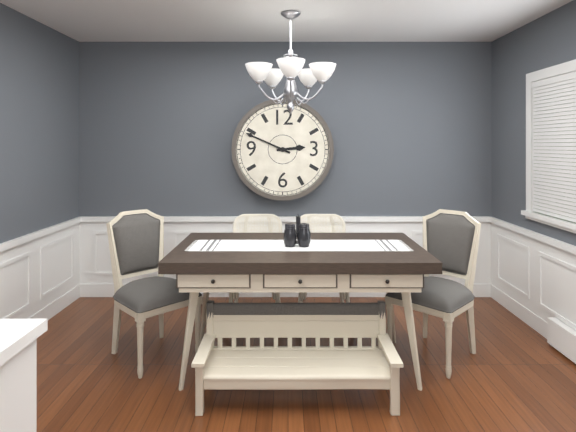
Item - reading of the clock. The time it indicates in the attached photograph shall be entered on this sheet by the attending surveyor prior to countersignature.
2:49
